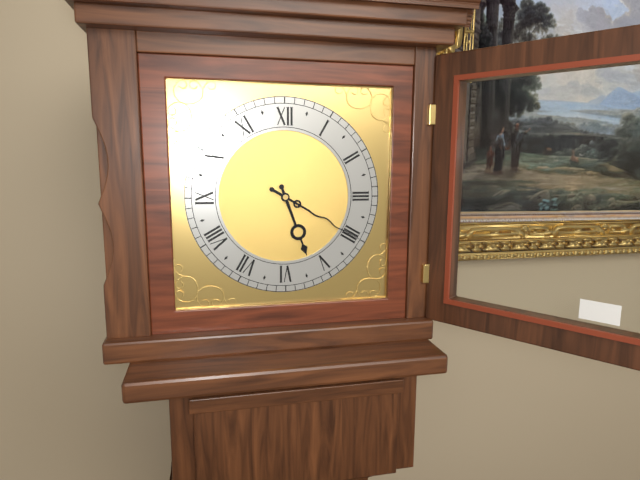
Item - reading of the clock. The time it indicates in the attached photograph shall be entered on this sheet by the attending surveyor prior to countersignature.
5:20
